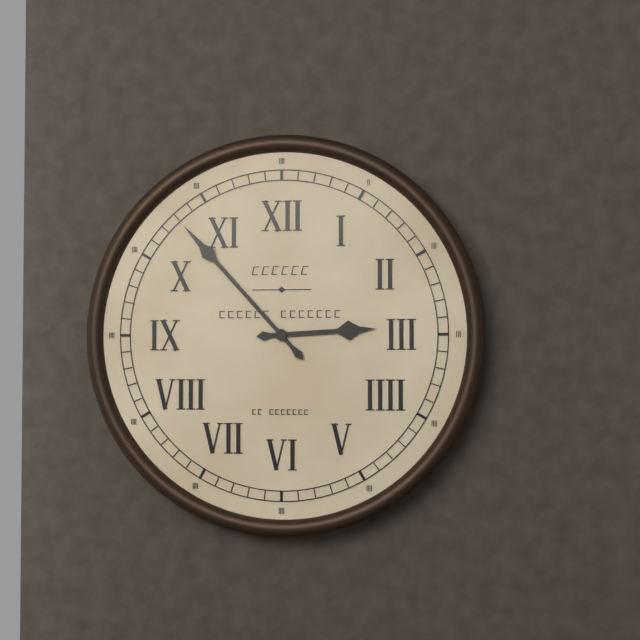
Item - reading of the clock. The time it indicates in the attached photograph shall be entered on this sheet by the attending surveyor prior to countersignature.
2:53
